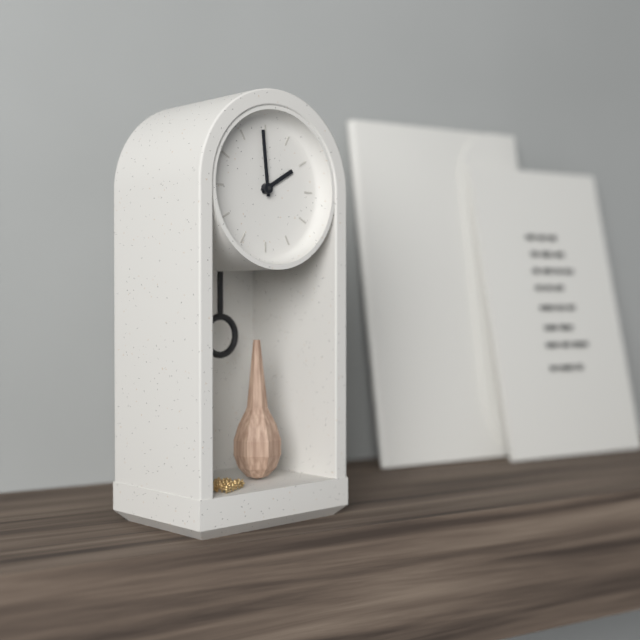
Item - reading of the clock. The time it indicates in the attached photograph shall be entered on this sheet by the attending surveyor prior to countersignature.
1:59
